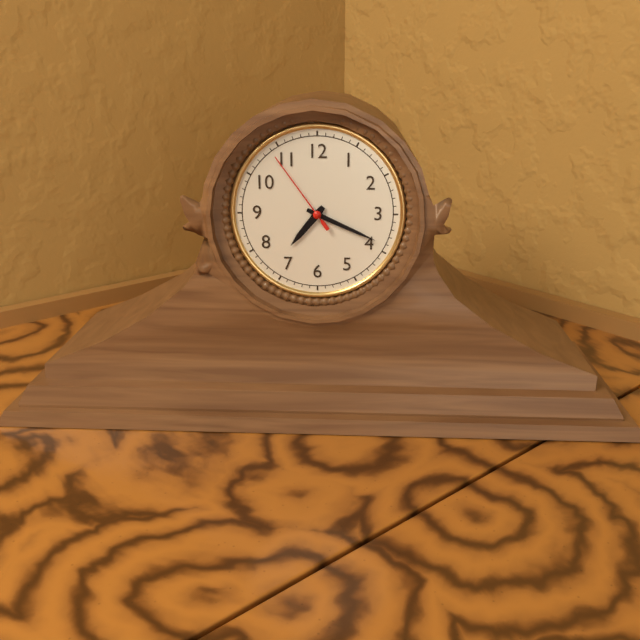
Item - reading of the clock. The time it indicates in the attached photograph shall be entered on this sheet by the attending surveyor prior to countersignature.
7:19:54
